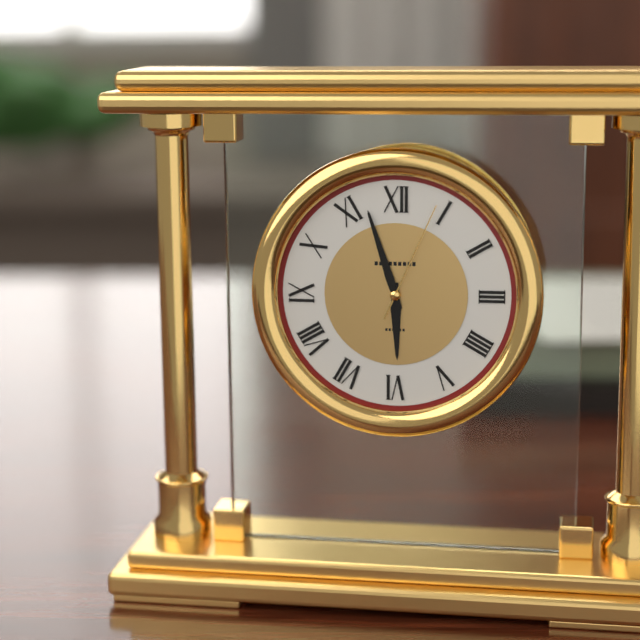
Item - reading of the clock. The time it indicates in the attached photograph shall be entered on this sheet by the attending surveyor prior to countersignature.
5:57:04
